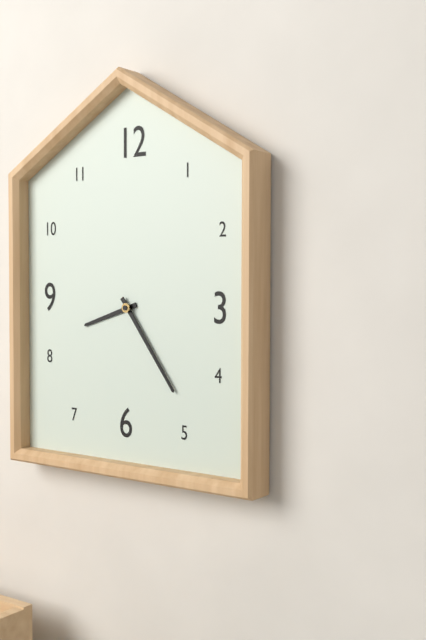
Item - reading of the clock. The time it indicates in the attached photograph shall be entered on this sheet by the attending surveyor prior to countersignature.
8:24
